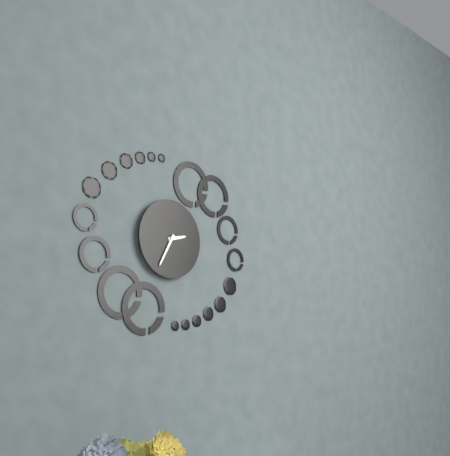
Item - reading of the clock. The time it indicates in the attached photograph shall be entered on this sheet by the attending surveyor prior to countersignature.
2:35
